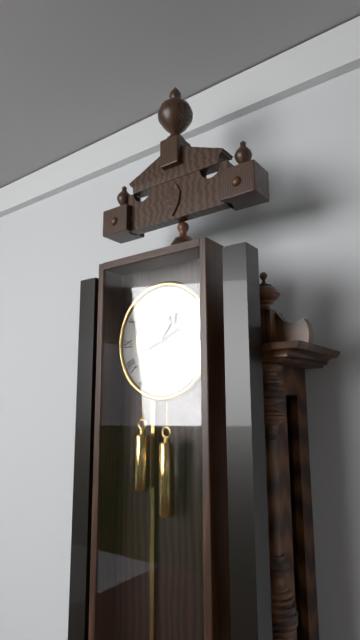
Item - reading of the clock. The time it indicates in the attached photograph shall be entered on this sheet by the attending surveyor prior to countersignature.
1:11
